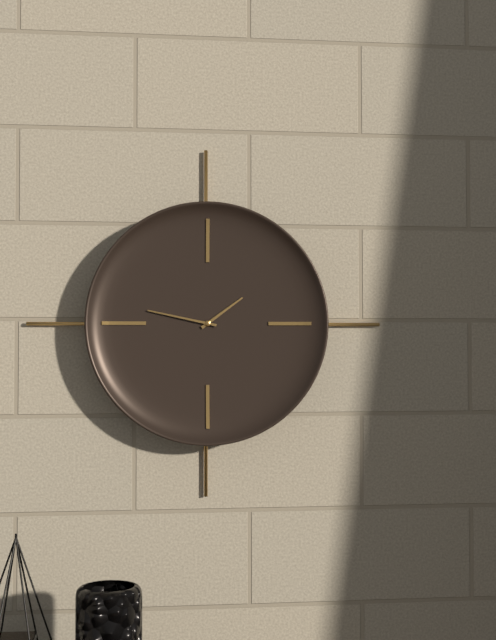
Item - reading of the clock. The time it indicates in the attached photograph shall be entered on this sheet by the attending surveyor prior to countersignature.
1:47
